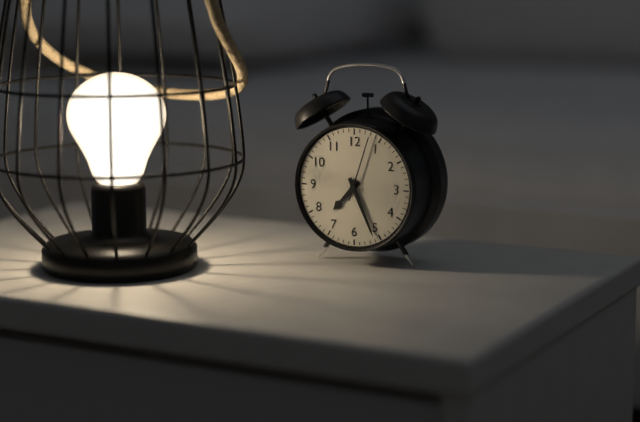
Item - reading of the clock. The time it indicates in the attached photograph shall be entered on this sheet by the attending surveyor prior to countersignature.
7:26:03
